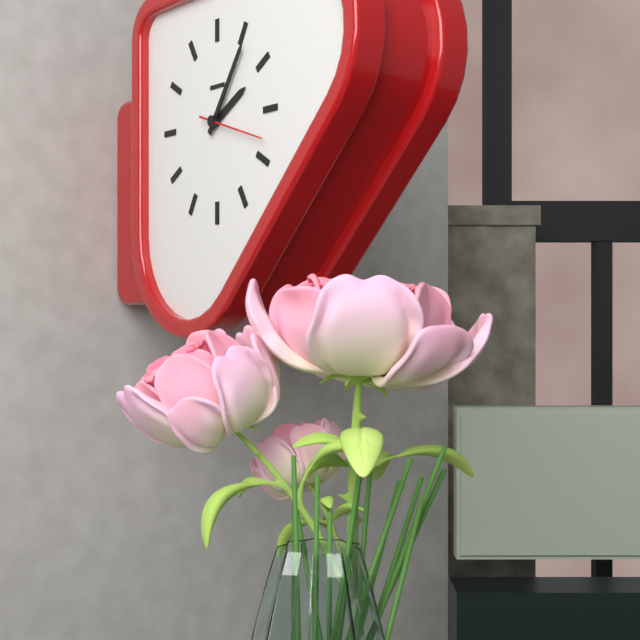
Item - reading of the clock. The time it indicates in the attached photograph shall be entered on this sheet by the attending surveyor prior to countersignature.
2:06
